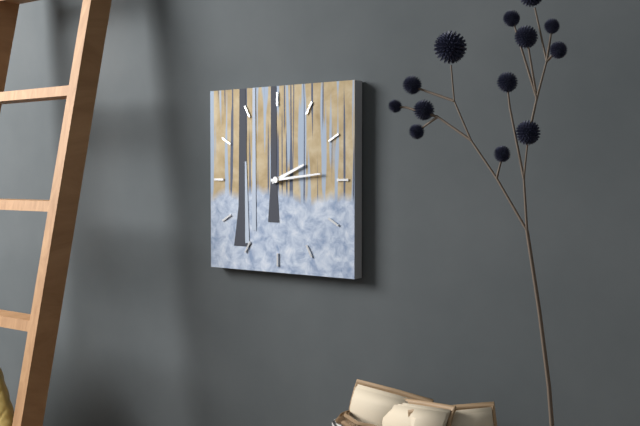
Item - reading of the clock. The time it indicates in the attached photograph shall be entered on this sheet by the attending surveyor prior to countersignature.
2:14
